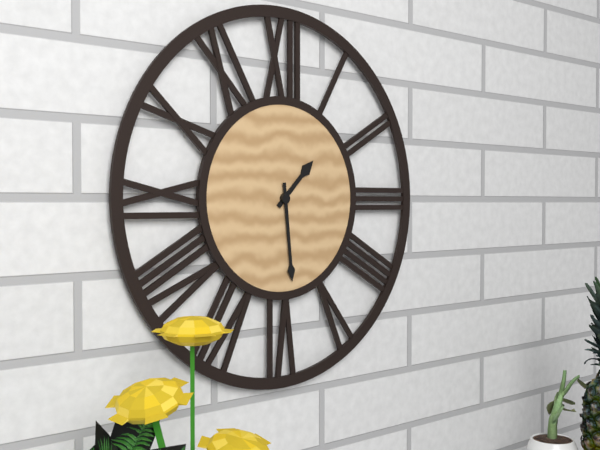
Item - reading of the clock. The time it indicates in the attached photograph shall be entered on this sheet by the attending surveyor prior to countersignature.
1:29
